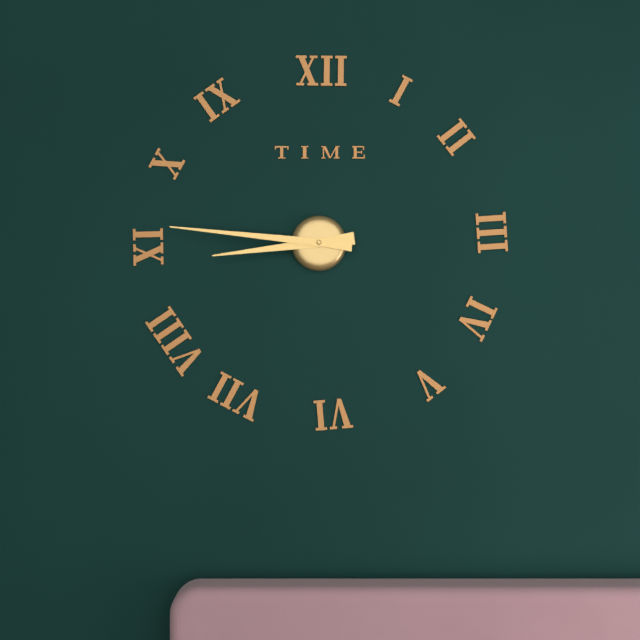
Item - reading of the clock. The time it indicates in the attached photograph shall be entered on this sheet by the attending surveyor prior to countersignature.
8:46
